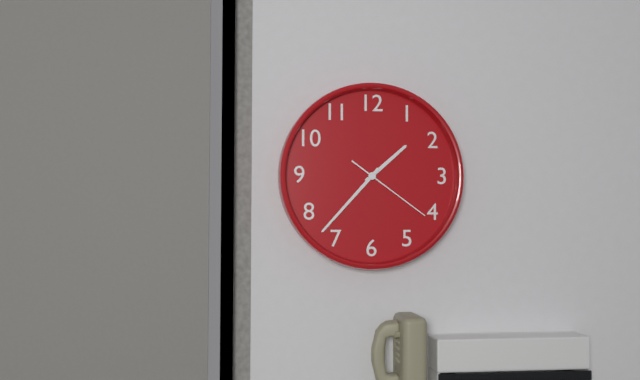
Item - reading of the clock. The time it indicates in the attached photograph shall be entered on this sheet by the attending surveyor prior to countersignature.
1:37:21
